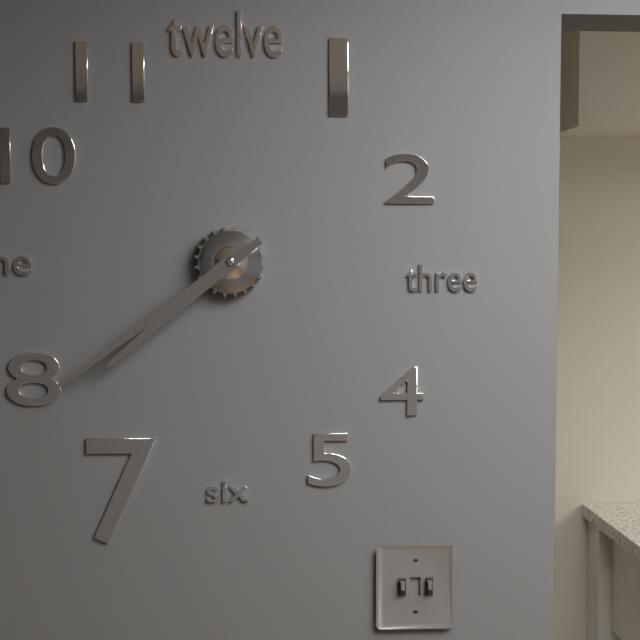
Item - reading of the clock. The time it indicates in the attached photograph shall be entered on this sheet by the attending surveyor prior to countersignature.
7:39
